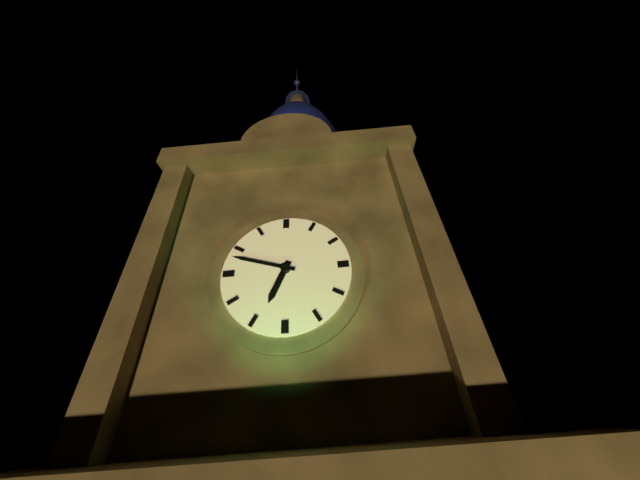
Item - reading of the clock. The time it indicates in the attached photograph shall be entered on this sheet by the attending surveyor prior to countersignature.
6:48
